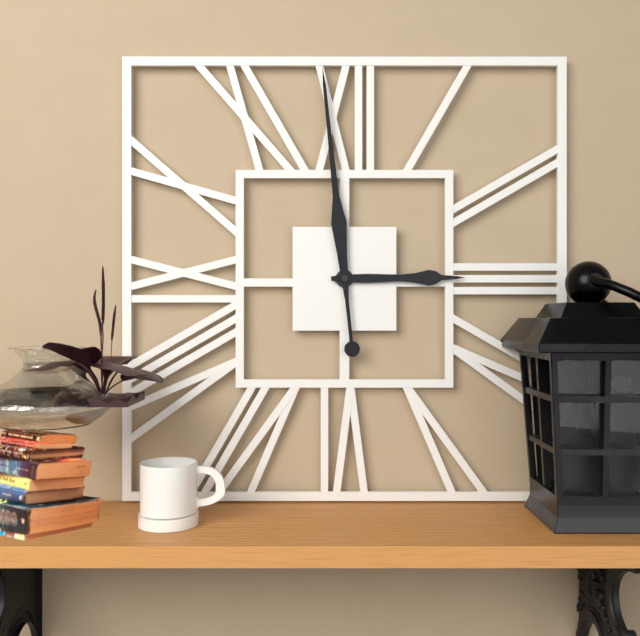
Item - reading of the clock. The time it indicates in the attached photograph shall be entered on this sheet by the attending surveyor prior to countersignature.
2:59
